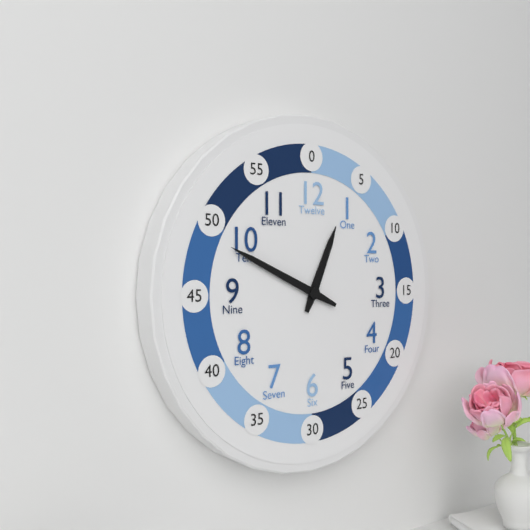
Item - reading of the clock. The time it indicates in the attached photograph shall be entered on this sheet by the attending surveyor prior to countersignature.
12:49
